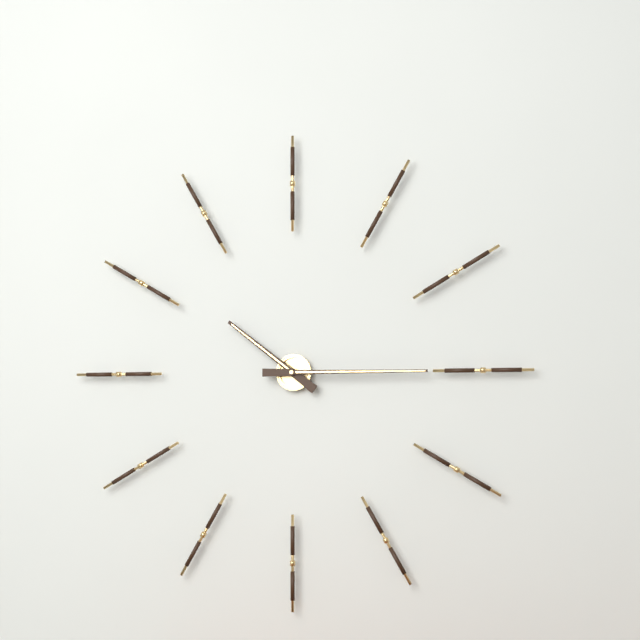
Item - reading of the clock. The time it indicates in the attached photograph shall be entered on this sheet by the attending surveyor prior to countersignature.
10:15
